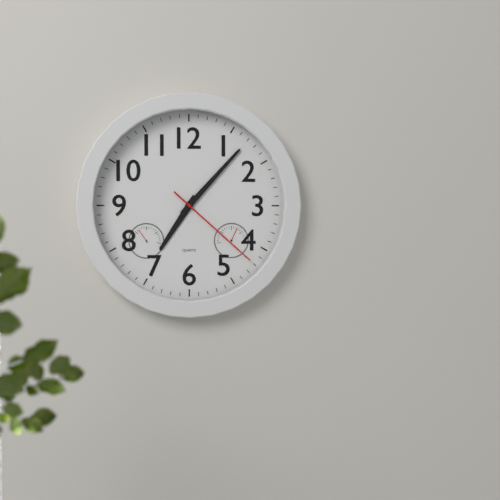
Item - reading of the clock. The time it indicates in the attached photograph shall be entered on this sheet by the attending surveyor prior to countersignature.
7:07:22
